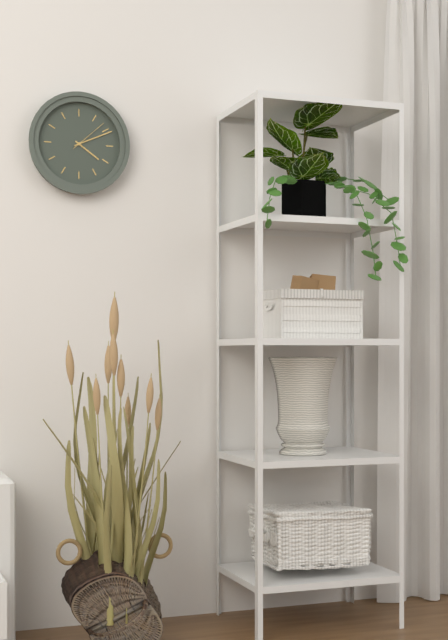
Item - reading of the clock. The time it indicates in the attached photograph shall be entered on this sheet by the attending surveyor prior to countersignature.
4:11
